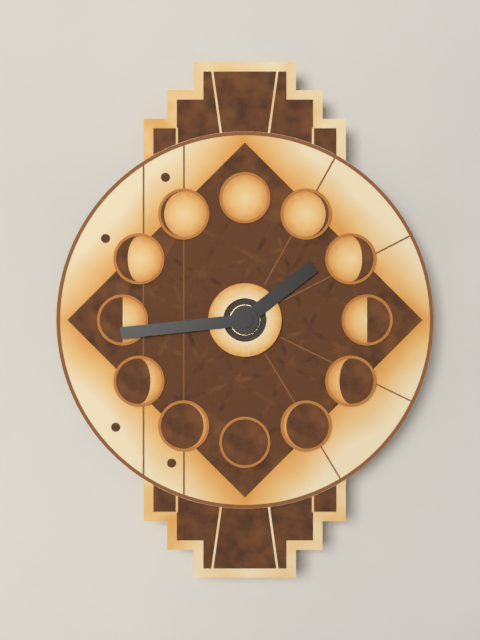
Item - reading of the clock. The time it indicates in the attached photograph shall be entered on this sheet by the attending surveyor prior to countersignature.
1:44
